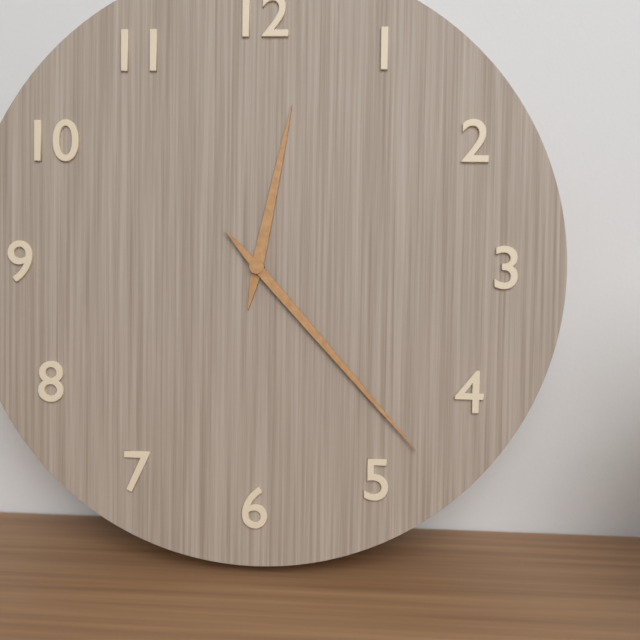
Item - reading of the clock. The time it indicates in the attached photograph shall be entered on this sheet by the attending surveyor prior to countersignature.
12:23
